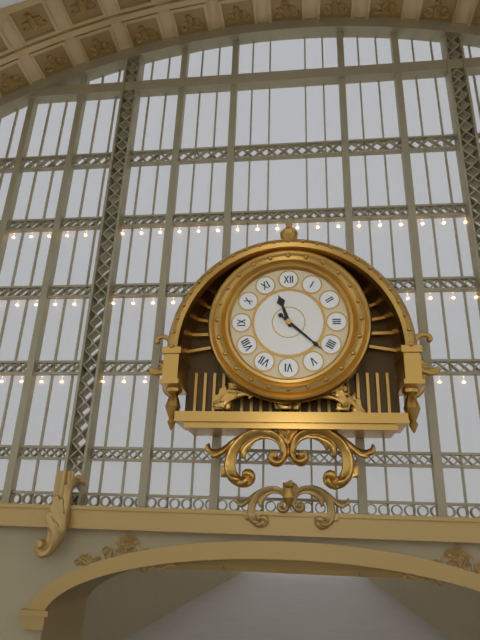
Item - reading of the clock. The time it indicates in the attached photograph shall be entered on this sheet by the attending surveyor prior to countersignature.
11:22
